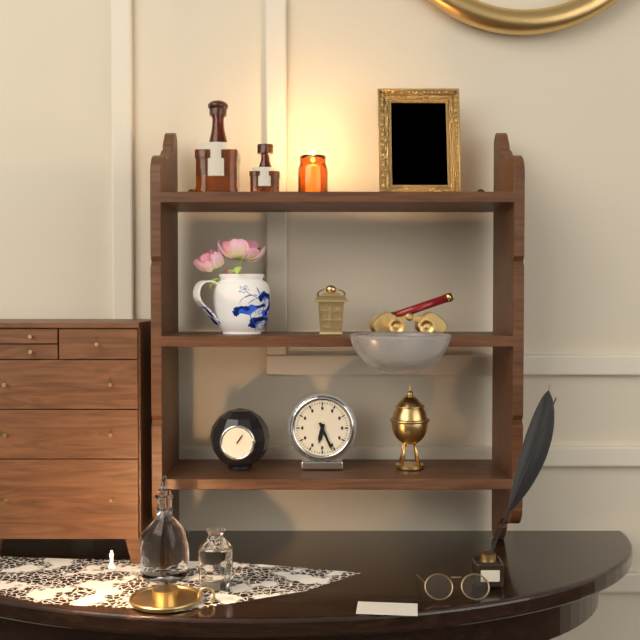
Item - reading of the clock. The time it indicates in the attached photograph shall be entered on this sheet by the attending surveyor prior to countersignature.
6:26
